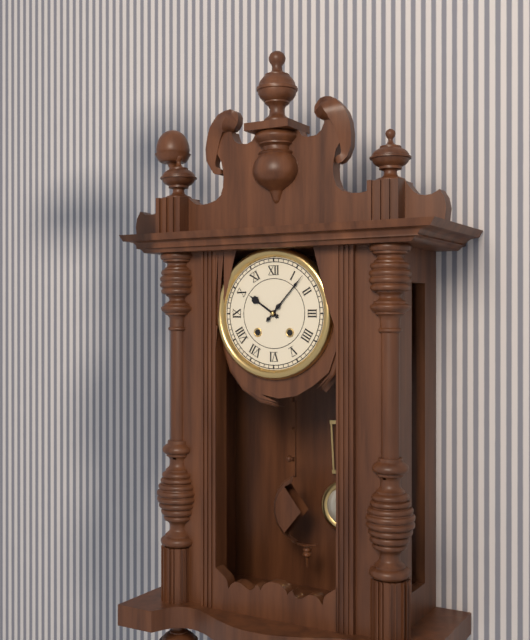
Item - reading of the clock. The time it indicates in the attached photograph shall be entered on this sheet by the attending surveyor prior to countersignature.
10:07
